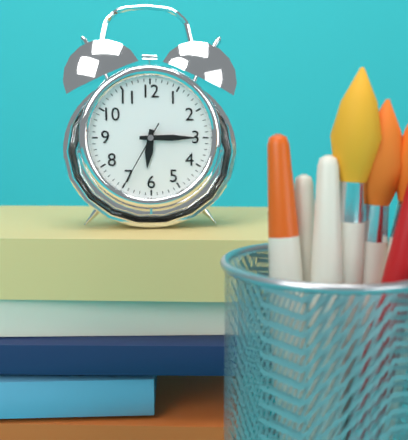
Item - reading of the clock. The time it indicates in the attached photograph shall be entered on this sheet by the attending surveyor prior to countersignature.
6:15:35
